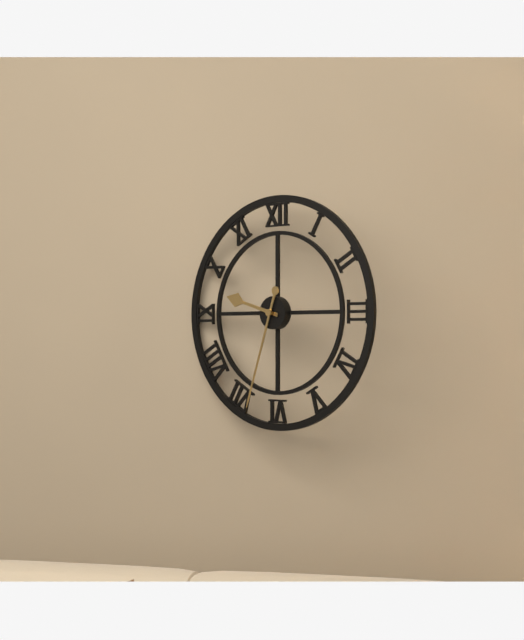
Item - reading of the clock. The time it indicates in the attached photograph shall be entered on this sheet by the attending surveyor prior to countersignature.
9:33
